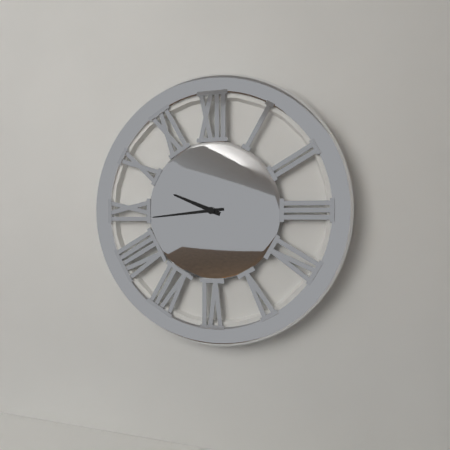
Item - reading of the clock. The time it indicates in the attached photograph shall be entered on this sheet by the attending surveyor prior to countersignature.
9:44
